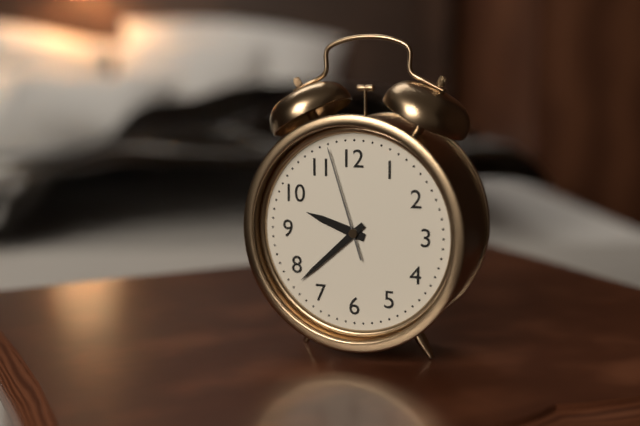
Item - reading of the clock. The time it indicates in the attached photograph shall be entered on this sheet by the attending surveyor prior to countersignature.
9:38:57
